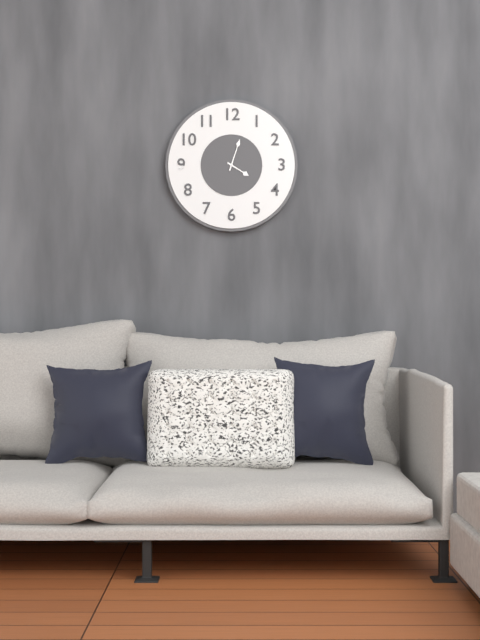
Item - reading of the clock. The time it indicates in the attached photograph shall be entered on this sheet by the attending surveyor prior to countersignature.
4:03
